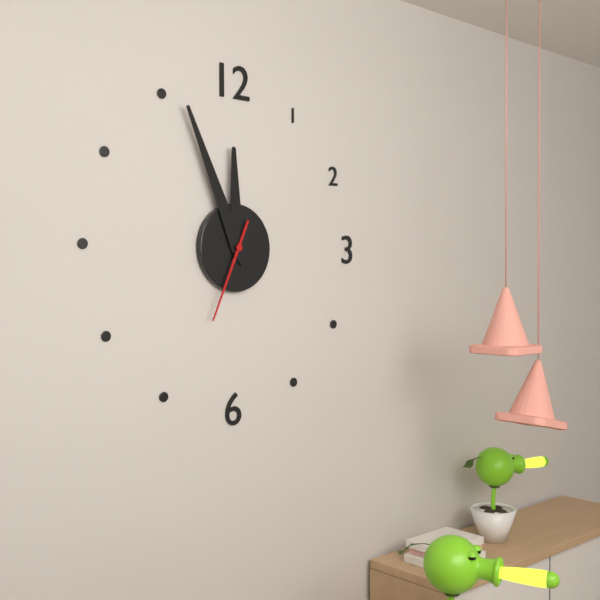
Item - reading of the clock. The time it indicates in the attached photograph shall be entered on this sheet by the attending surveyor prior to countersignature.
11:56:34
